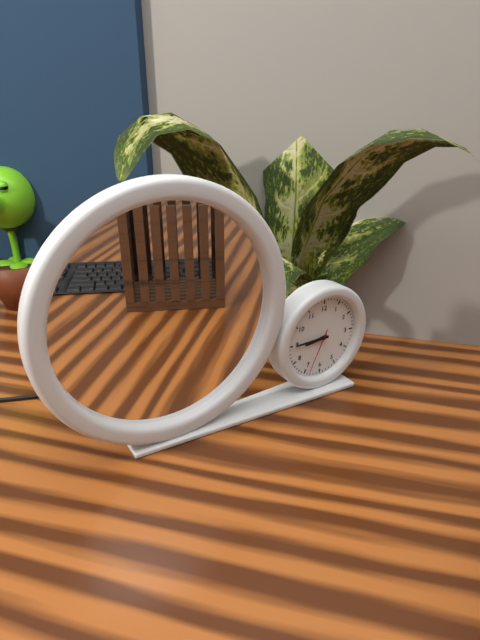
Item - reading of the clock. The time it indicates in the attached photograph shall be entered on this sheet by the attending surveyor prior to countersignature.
8:45
